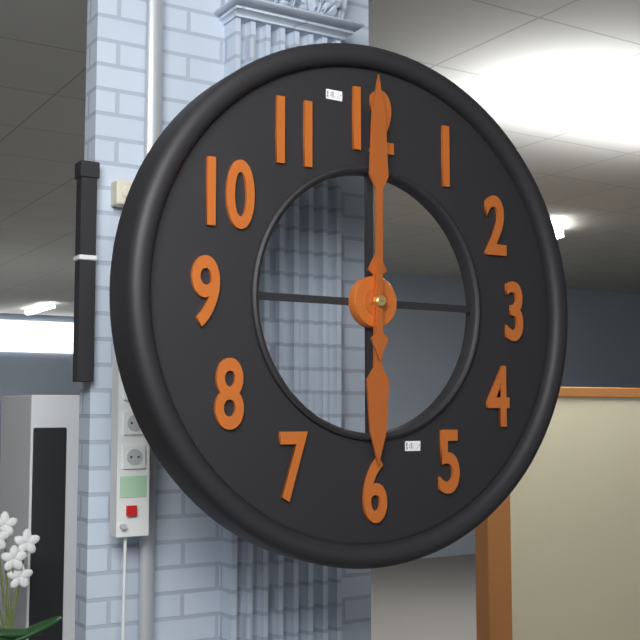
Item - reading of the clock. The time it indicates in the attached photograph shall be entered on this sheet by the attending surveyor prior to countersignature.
6:00
